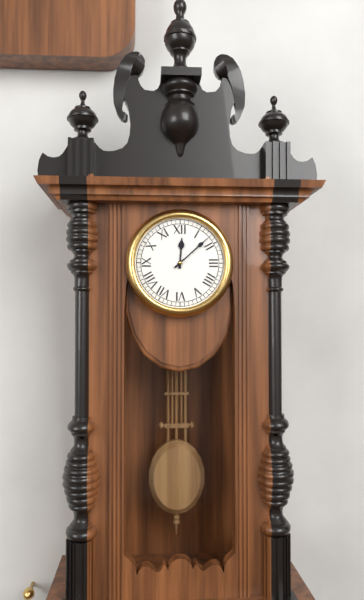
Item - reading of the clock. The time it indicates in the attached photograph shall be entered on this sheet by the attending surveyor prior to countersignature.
12:08
